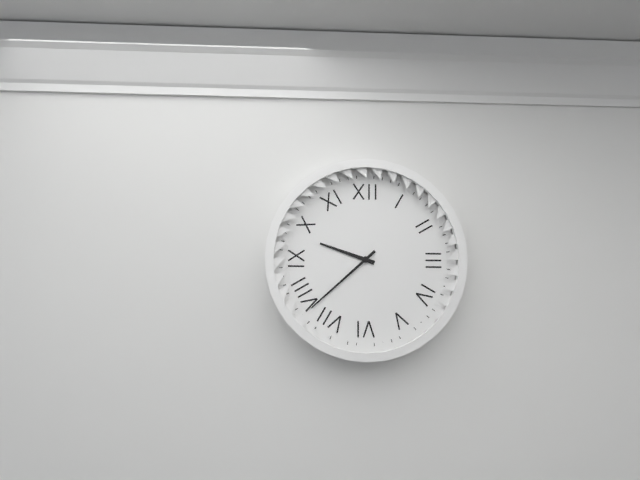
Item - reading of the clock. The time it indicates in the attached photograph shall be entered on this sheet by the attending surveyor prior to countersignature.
9:38
